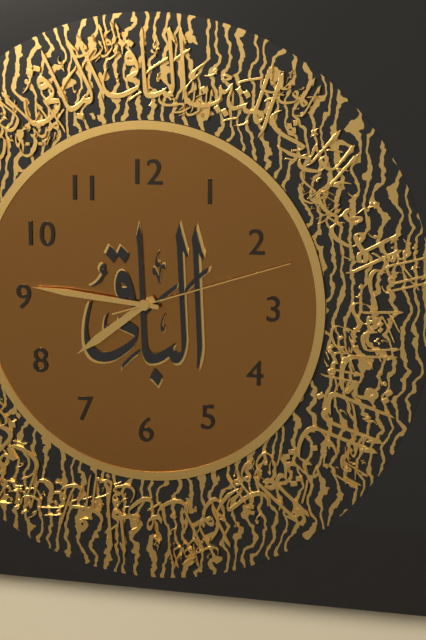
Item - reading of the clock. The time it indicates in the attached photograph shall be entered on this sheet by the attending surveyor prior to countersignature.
7:46:12
